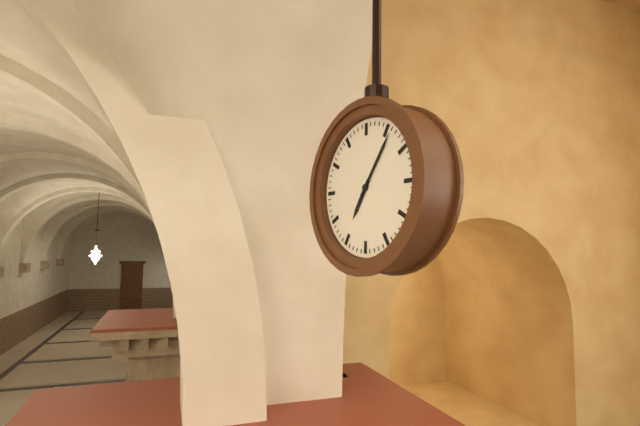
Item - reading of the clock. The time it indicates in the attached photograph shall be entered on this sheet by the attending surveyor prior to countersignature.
7:06
